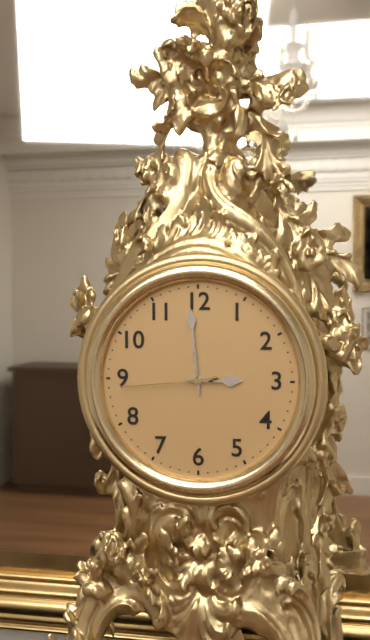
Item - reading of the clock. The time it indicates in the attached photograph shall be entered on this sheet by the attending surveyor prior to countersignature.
2:59:44
